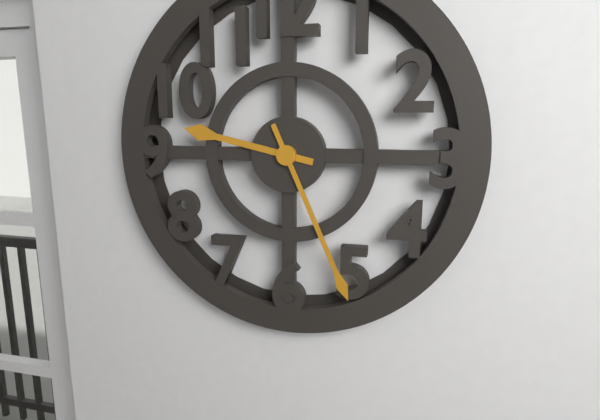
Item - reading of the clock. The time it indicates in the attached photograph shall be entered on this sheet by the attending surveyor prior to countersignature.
9:26
